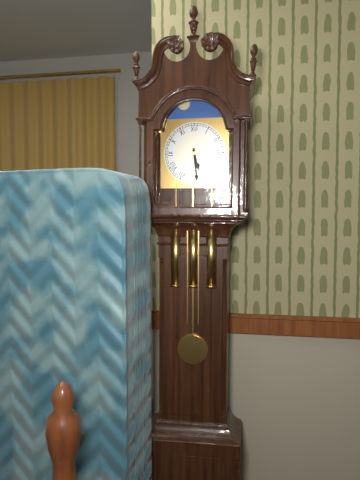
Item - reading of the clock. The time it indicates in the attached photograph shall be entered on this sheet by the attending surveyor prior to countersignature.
5:29
